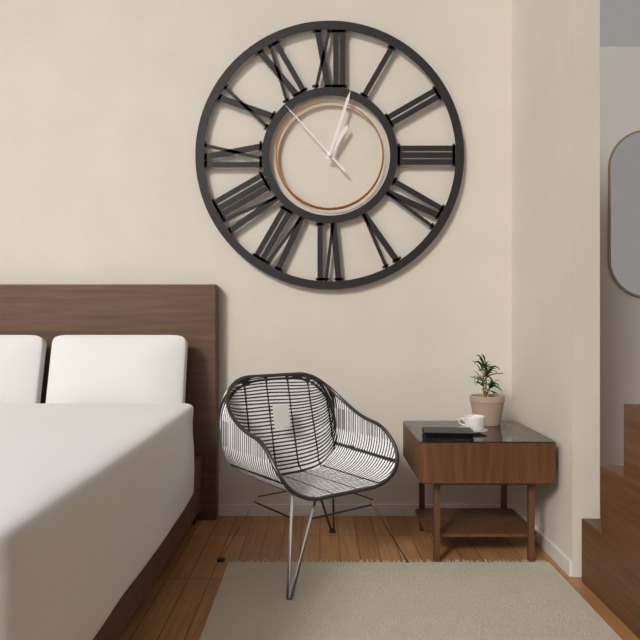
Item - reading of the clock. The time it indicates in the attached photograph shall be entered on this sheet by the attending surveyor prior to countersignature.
1:03:53
